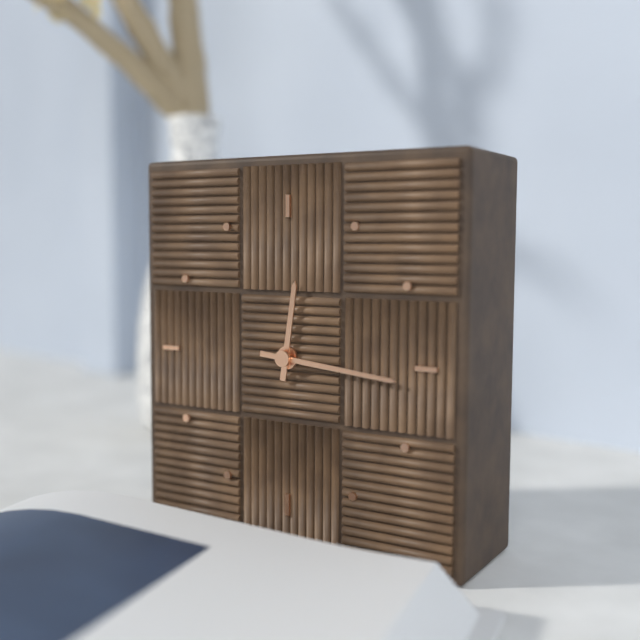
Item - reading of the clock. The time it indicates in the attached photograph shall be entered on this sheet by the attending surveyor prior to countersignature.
12:16
